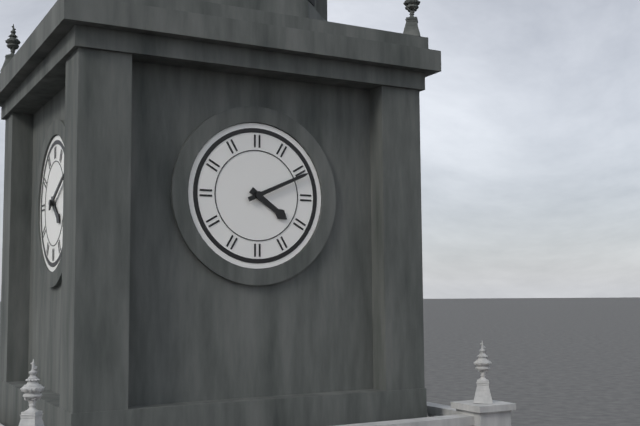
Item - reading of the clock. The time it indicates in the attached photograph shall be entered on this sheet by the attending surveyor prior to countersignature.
4:11
